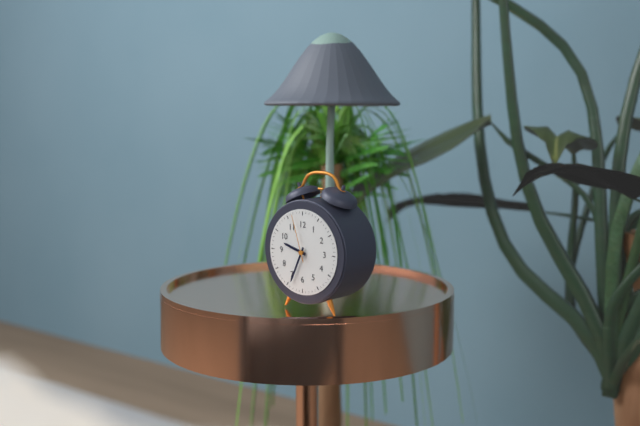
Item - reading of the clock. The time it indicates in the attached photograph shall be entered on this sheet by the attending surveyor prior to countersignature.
9:34
